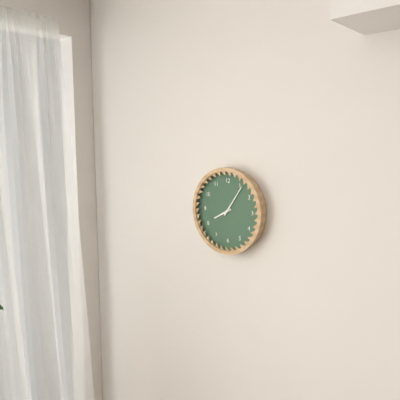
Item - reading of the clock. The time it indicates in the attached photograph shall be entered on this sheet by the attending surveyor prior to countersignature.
8:06
